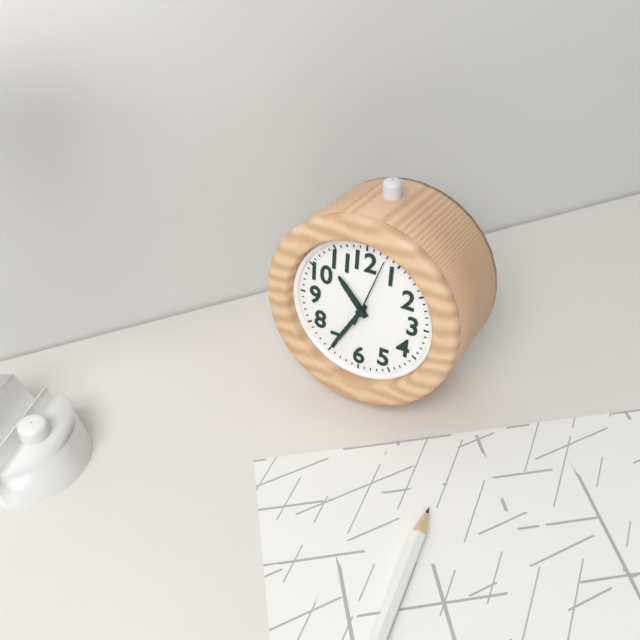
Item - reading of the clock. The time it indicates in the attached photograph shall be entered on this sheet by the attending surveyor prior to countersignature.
10:35:03
